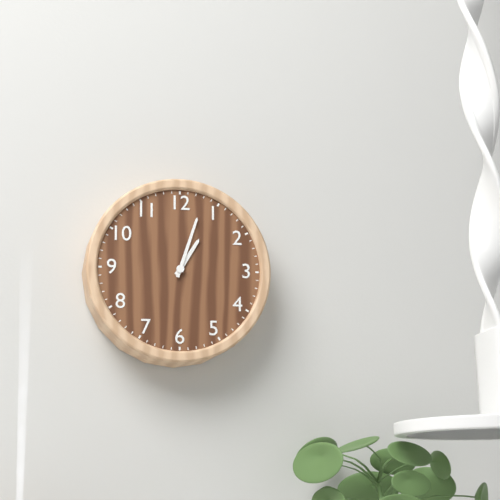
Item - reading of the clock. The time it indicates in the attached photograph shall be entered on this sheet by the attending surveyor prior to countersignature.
1:03
